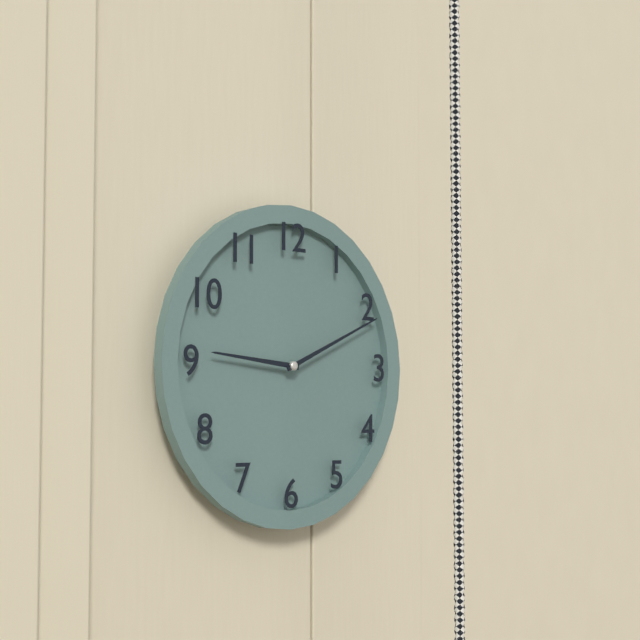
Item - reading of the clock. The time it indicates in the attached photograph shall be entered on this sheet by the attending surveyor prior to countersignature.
9:11
